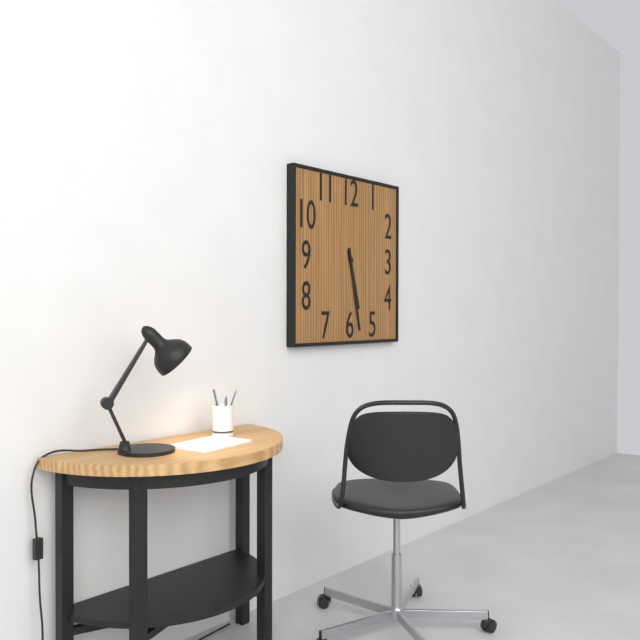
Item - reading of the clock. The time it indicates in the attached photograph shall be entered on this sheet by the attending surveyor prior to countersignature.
5:28
